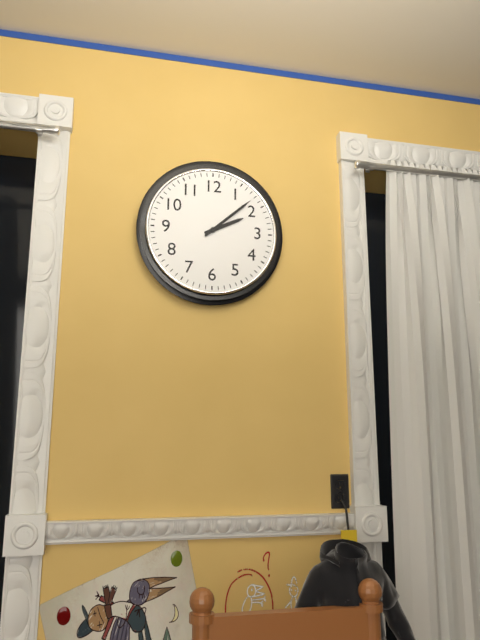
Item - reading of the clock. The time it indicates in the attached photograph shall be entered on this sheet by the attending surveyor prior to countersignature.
2:08
